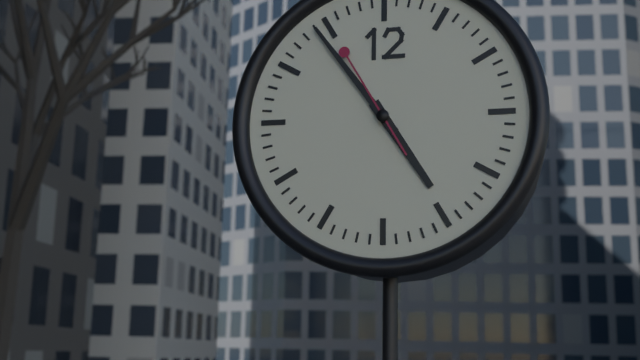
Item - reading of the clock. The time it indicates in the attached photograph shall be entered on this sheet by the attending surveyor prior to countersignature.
4:54:55
